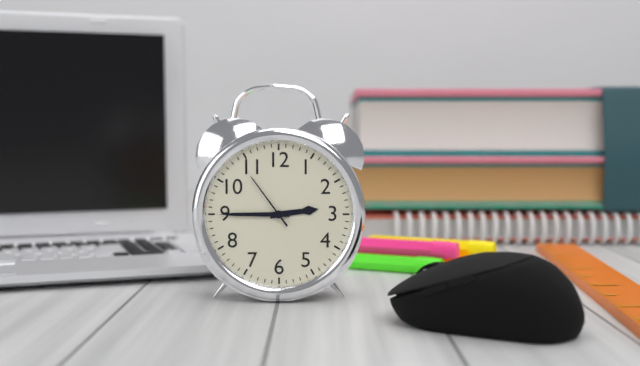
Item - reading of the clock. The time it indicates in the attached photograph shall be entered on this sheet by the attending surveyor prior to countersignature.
2:45:54
